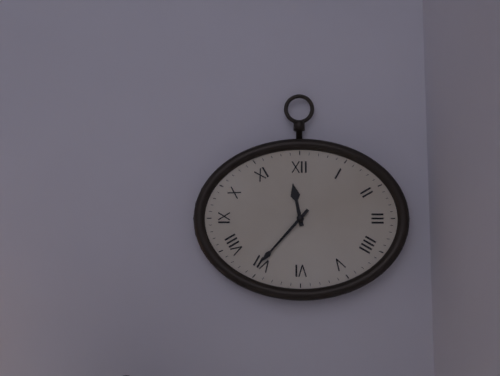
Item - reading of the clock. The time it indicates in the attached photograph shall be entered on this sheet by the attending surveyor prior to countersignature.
11:37
